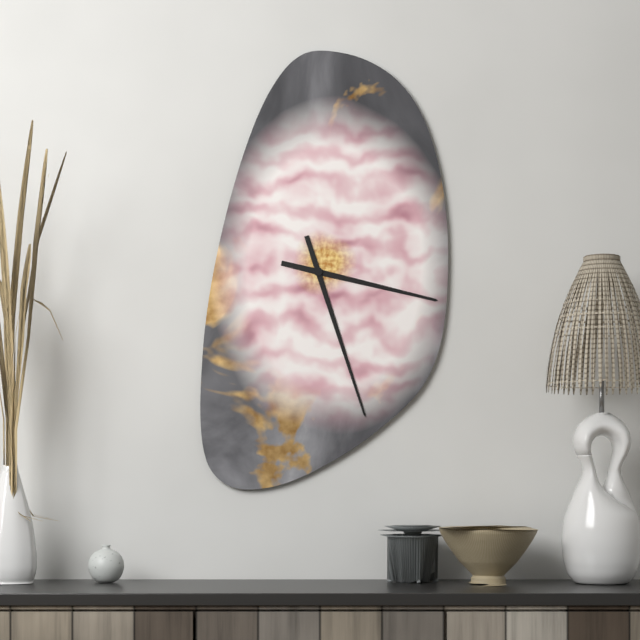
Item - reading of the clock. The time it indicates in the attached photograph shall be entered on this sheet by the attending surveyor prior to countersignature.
3:27
